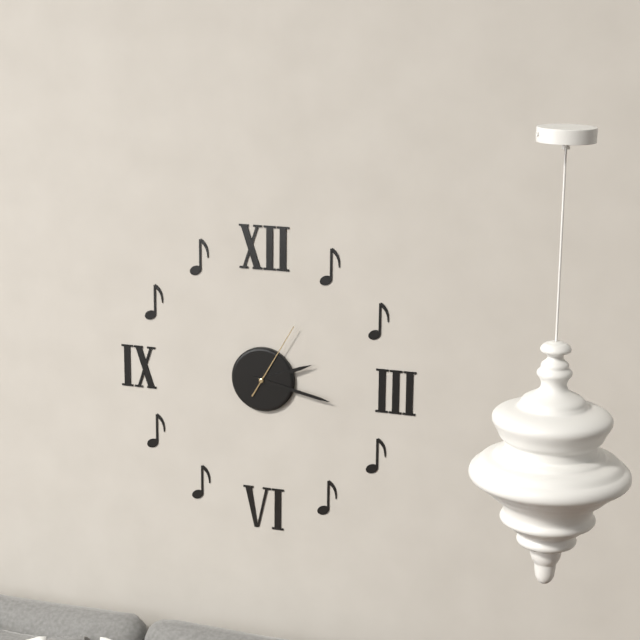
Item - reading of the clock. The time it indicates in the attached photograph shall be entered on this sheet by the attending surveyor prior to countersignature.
2:17:05
